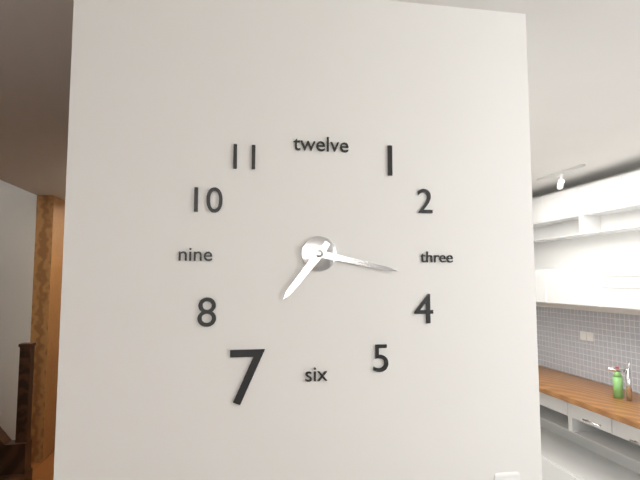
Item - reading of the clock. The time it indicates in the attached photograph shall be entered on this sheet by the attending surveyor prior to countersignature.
7:17
